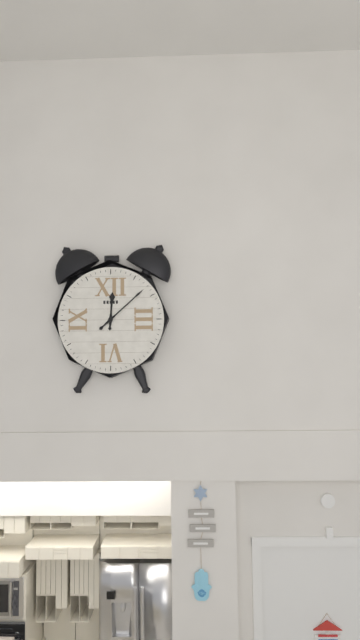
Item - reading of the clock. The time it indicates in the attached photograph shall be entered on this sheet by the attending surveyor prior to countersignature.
12:08
